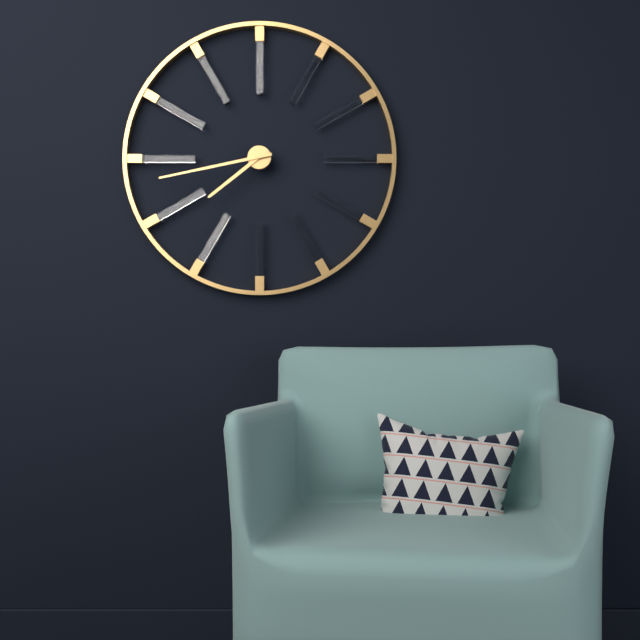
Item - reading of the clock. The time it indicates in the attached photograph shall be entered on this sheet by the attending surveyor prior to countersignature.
7:43
